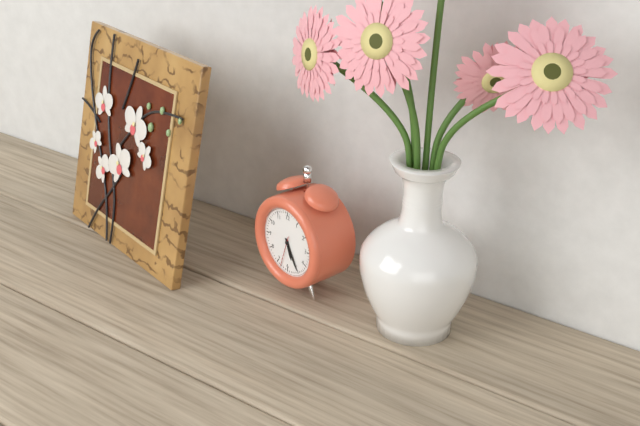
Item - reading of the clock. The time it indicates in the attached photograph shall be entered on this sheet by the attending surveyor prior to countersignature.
5:25
